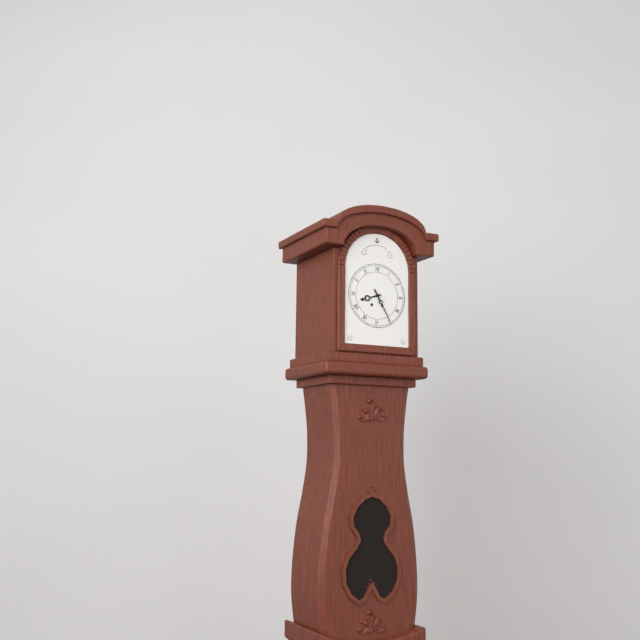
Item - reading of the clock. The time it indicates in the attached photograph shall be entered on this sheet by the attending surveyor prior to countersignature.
8:25
